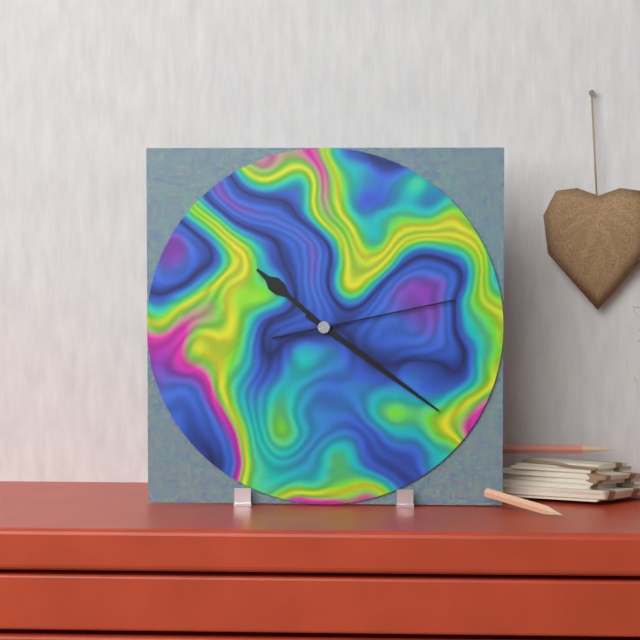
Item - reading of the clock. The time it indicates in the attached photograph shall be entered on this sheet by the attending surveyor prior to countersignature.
10:21:13
